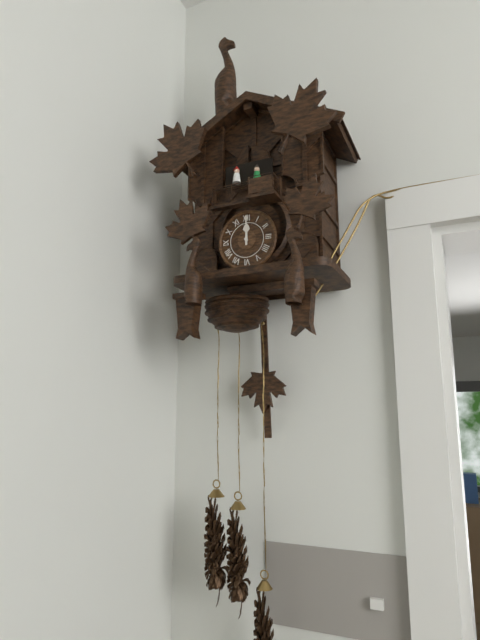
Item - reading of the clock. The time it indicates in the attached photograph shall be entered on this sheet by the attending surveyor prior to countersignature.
12:00
